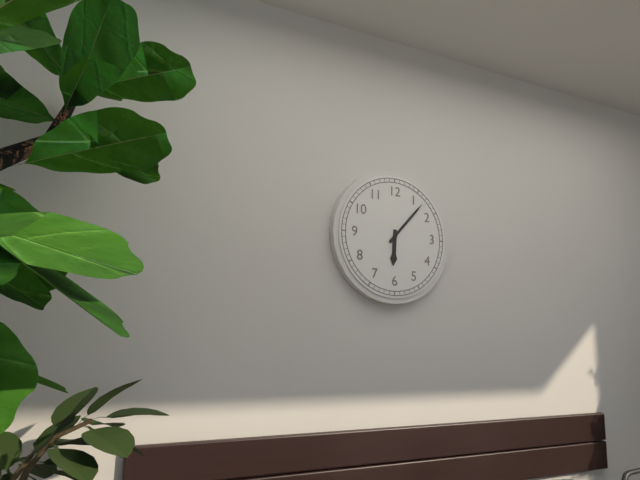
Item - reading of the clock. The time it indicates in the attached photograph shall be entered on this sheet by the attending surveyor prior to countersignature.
6:07
